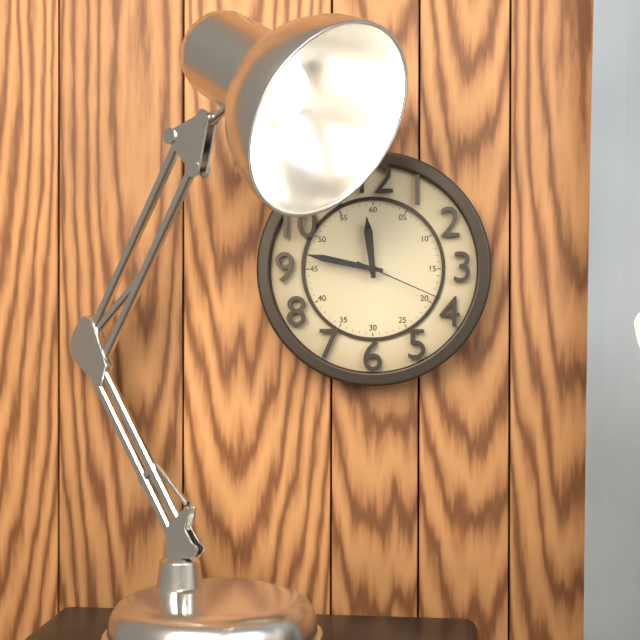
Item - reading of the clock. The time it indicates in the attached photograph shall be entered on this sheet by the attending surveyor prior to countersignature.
11:47:19
